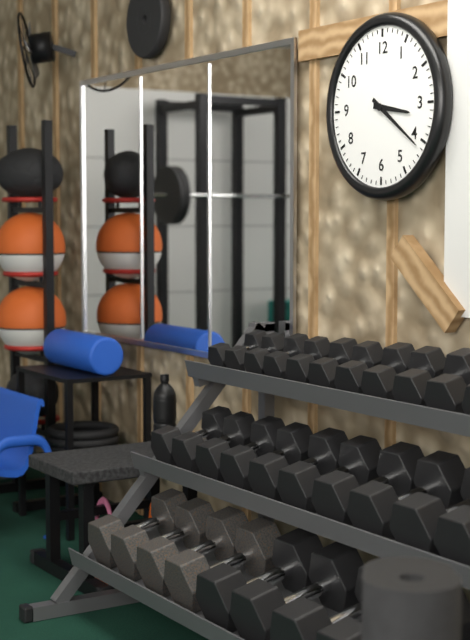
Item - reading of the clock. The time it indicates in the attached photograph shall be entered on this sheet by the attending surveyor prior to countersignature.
3:21
